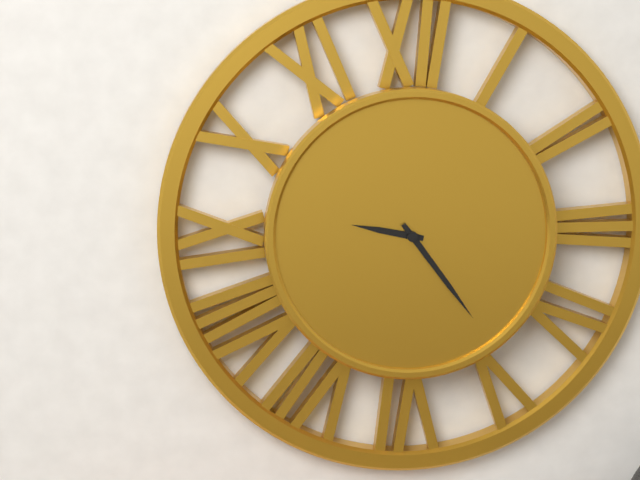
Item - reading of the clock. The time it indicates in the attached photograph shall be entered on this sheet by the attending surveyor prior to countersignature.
9:24
